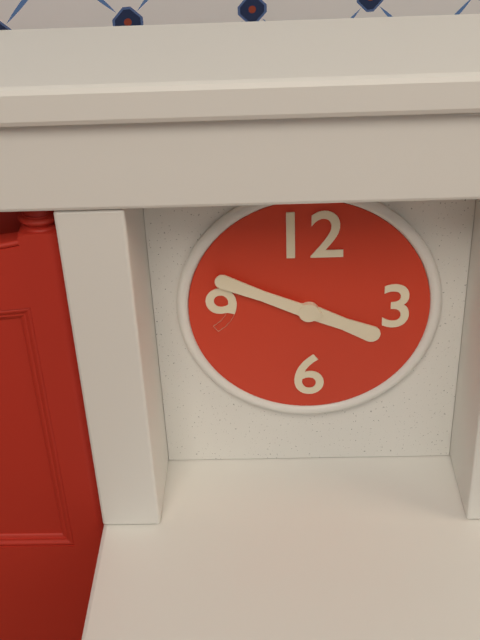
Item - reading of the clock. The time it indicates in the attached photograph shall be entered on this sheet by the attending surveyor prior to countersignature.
3:49
